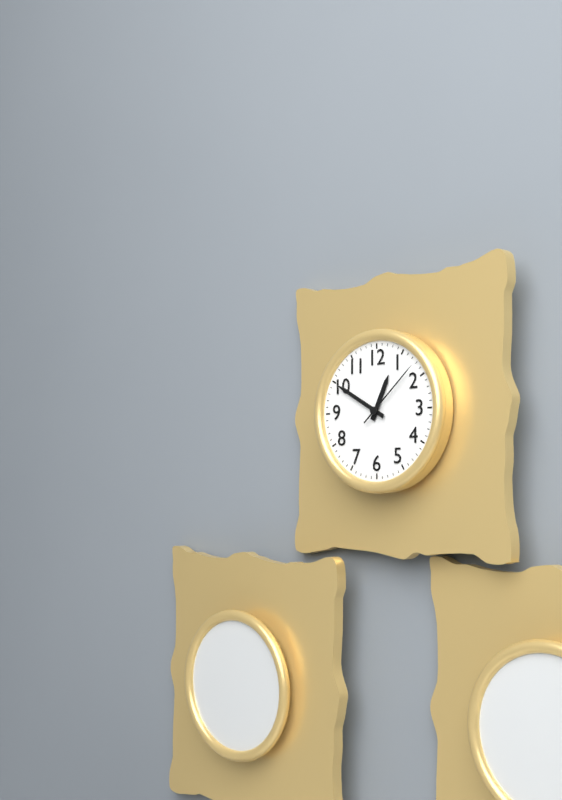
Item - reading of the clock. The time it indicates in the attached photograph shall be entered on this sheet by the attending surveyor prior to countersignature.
12:50:08
